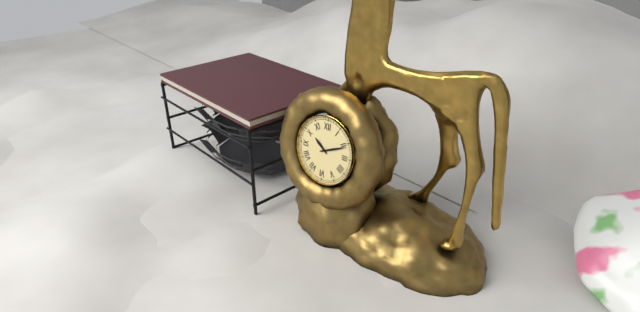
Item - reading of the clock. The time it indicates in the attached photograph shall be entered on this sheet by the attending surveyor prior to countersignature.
10:11
